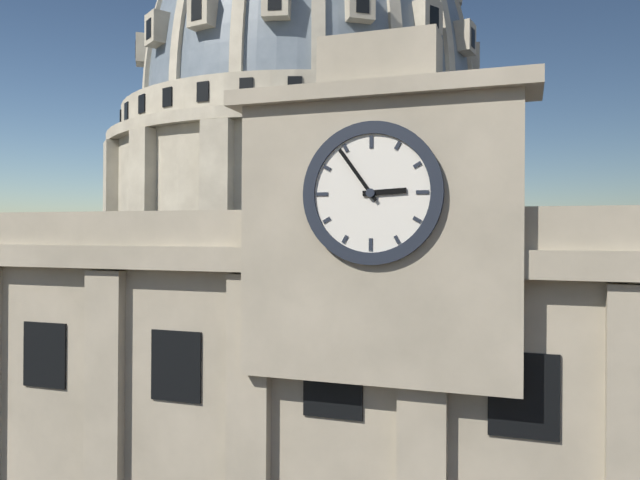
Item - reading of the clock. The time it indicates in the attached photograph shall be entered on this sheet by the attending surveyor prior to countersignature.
2:54
